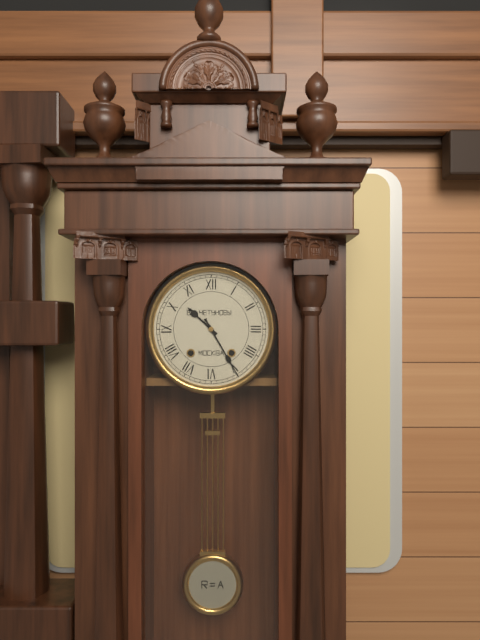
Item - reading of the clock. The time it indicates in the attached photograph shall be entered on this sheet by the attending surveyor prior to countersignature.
10:25
